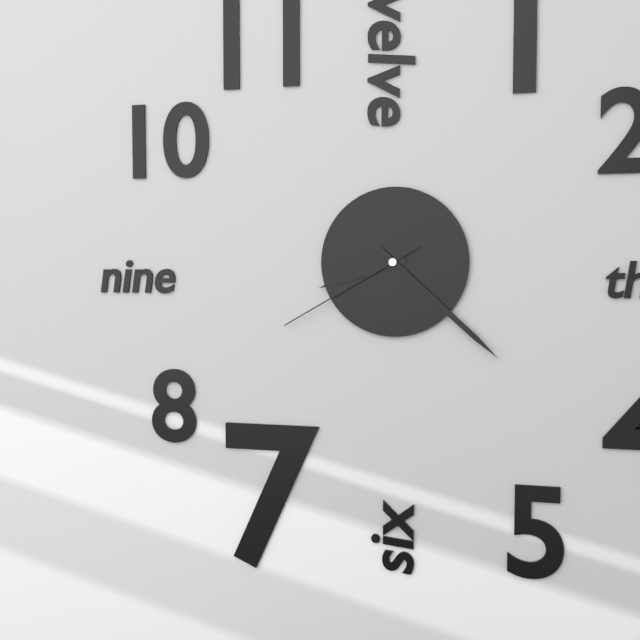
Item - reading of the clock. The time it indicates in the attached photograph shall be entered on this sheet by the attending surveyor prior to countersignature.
8:22:40
